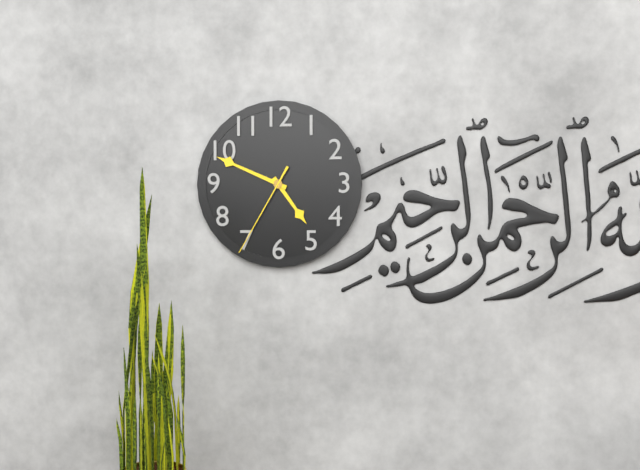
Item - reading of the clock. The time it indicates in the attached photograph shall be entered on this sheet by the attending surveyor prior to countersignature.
4:49:35
